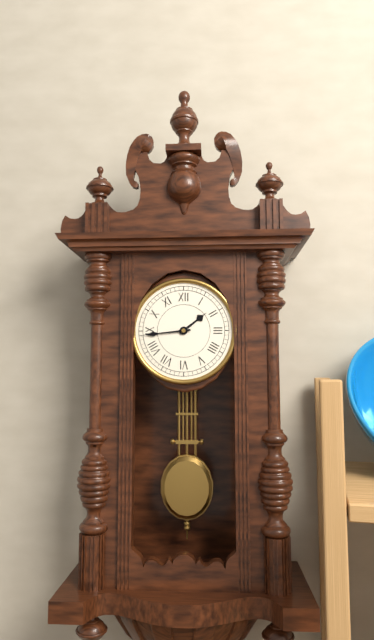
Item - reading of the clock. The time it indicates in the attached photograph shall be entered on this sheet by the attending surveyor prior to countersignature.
1:44
